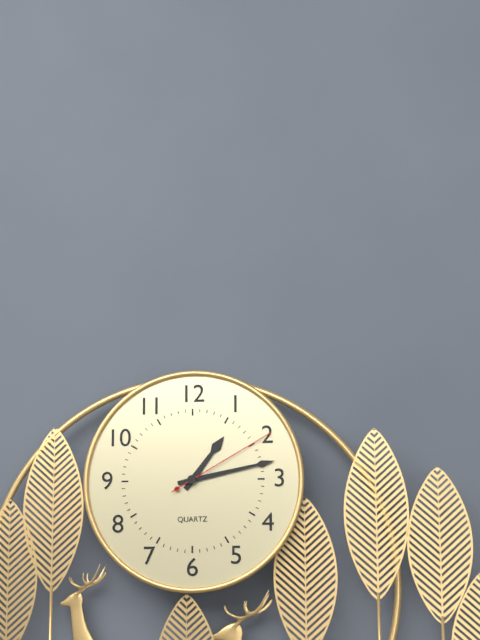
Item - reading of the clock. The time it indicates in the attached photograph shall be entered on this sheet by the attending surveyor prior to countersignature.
1:13:10
